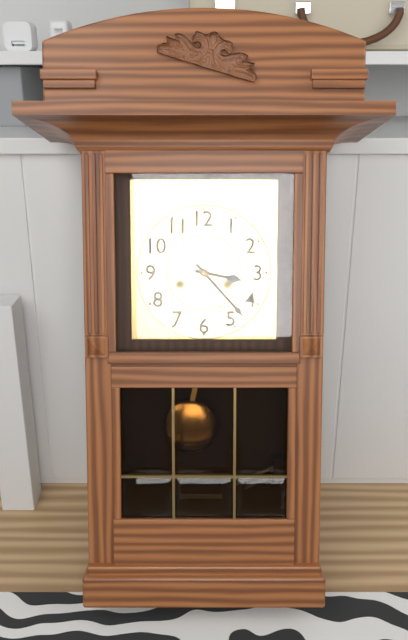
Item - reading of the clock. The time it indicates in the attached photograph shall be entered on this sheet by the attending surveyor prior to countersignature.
3:23
